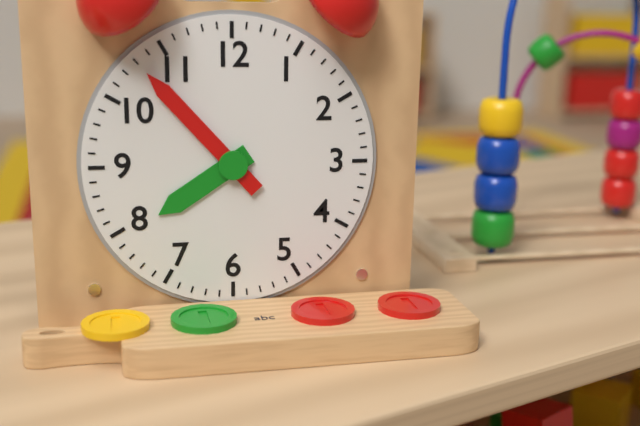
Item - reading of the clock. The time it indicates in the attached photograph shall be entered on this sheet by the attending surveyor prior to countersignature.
7:53
